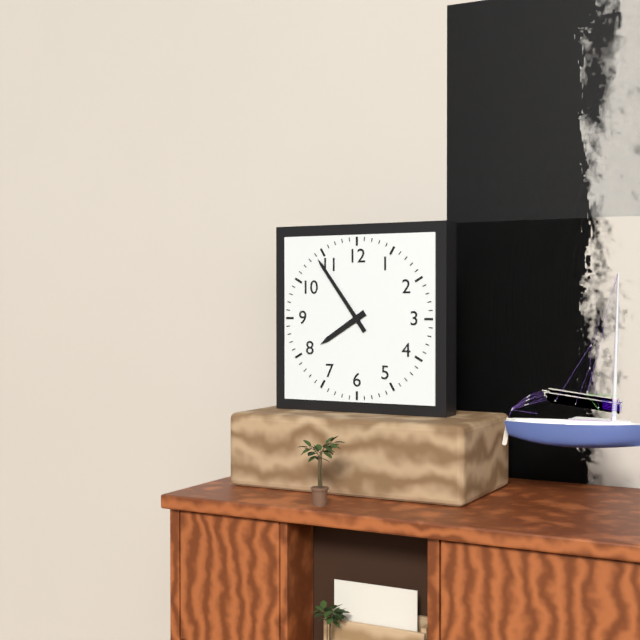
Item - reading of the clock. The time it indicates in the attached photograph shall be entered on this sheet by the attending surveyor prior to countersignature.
7:54
